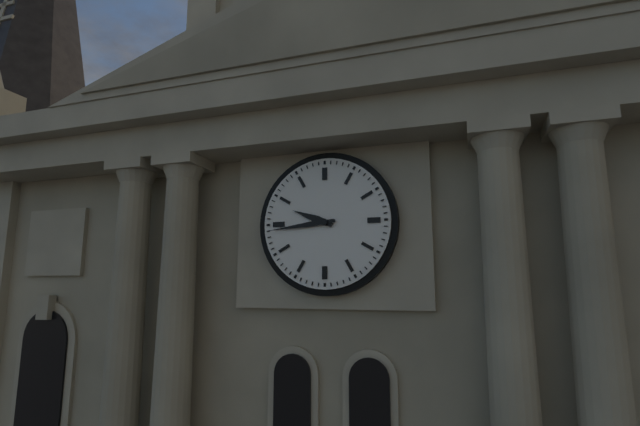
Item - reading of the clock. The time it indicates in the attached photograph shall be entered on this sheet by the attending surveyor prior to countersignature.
9:44
